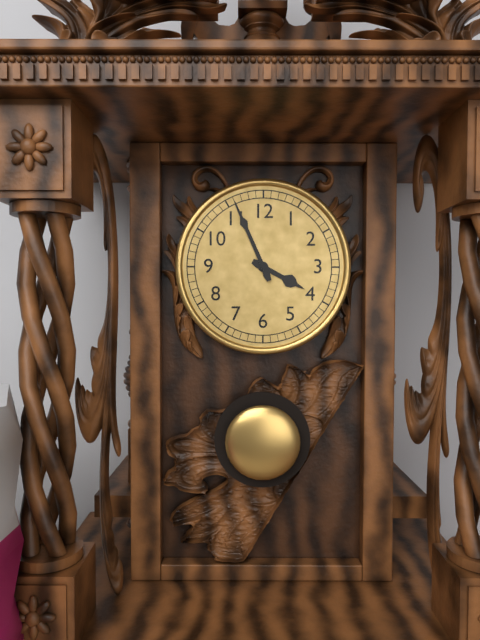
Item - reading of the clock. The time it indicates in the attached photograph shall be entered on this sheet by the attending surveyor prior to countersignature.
3:56
